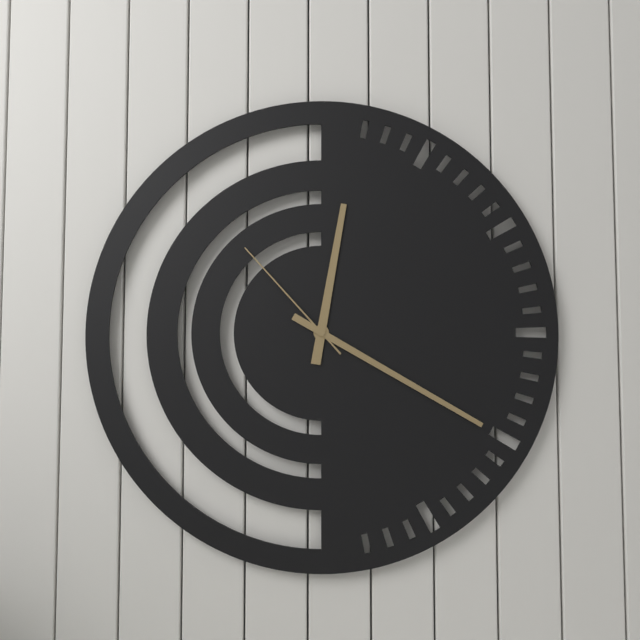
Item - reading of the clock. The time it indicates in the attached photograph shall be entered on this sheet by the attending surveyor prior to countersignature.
12:20:53
